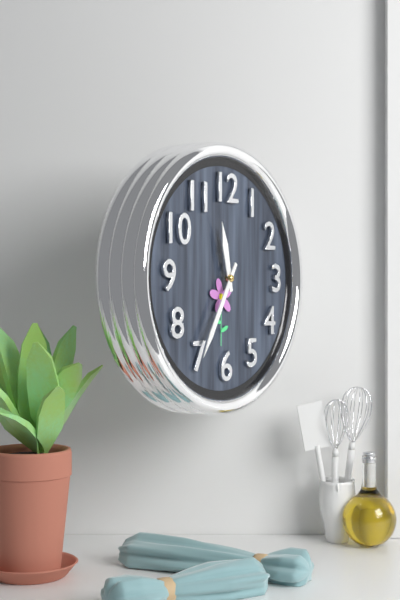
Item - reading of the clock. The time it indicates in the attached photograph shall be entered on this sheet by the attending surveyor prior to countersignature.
11:35
